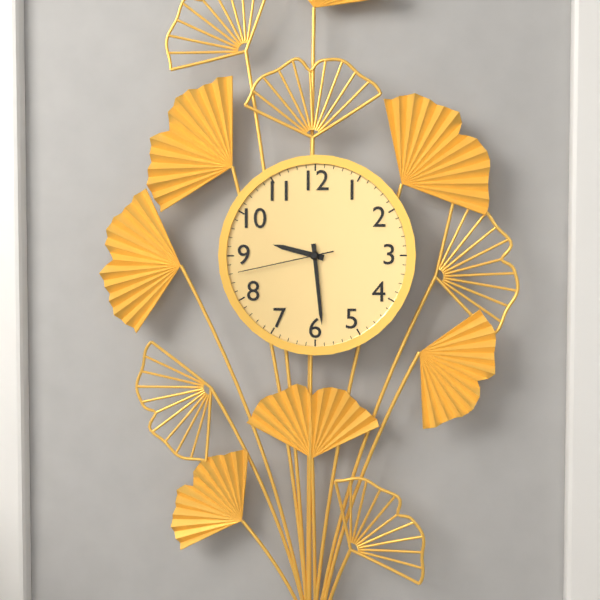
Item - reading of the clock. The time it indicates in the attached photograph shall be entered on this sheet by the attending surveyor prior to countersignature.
9:29:43
